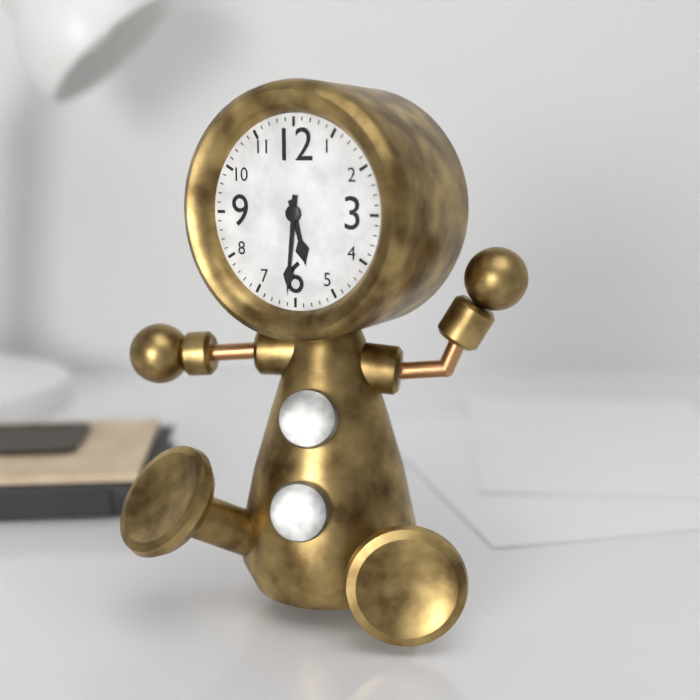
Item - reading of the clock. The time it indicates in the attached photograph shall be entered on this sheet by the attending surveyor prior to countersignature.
5:31
